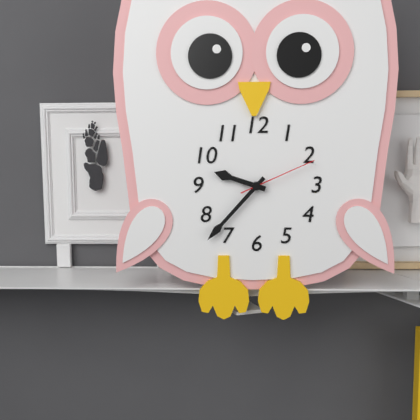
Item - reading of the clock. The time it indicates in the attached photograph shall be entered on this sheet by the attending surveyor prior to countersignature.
9:37:11
